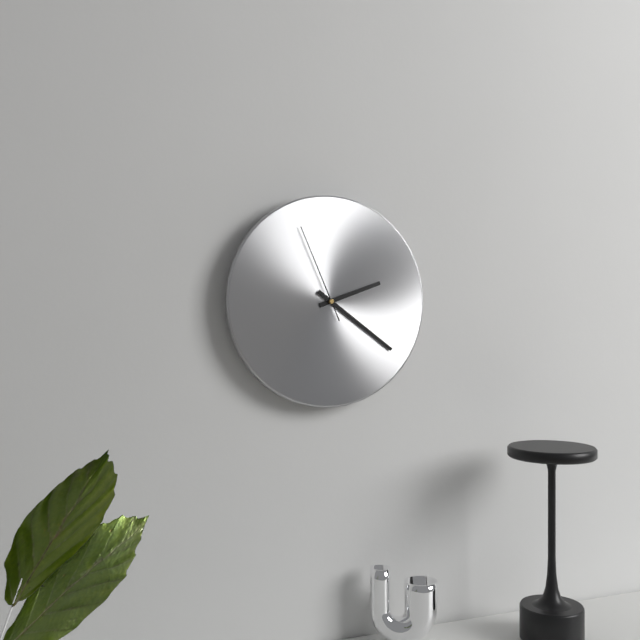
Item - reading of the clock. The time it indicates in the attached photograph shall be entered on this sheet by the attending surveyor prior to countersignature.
2:21:56
